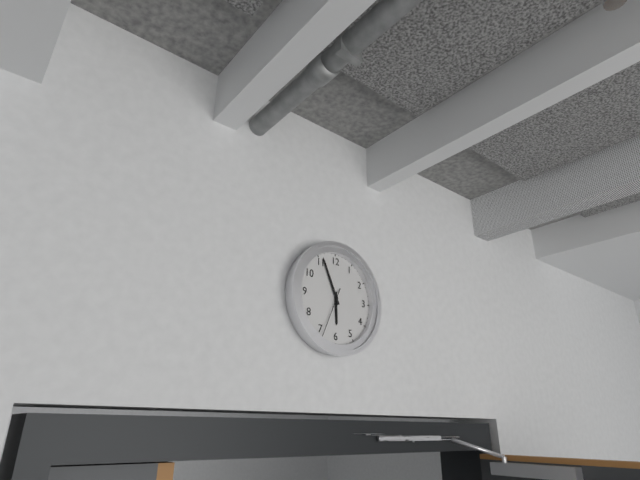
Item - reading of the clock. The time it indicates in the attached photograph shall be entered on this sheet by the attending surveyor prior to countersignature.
5:56:34
